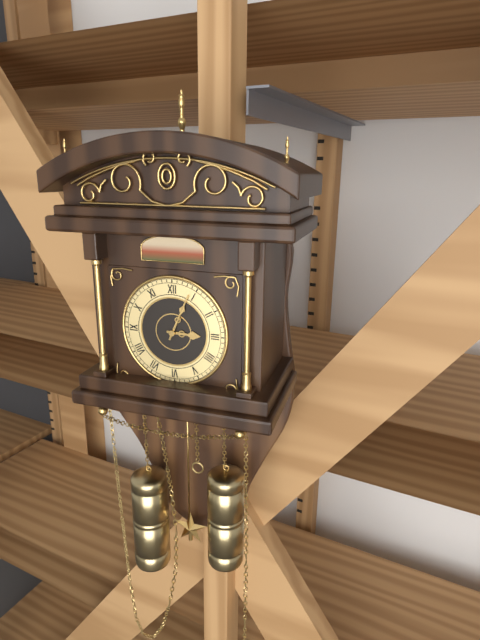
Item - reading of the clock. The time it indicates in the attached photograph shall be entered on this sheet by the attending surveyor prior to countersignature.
3:04
